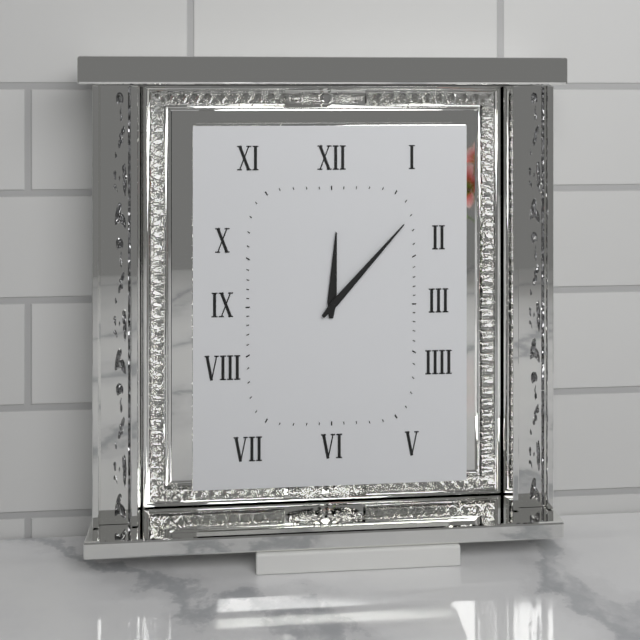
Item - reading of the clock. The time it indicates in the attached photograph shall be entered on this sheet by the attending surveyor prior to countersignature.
12:07
